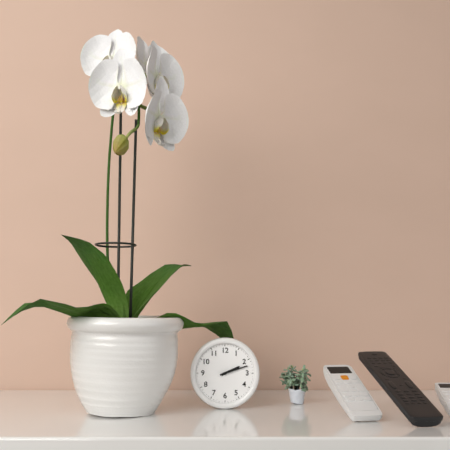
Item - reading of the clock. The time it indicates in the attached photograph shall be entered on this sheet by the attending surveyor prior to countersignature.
2:12
